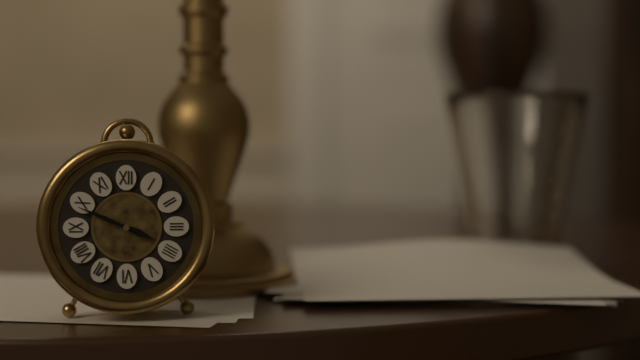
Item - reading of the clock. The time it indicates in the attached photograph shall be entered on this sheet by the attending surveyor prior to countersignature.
3:49
